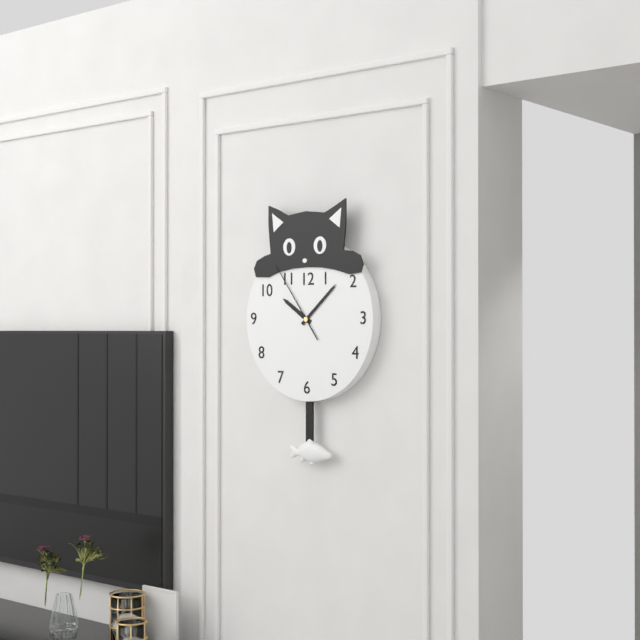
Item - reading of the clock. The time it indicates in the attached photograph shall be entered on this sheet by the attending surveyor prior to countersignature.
10:08:54
